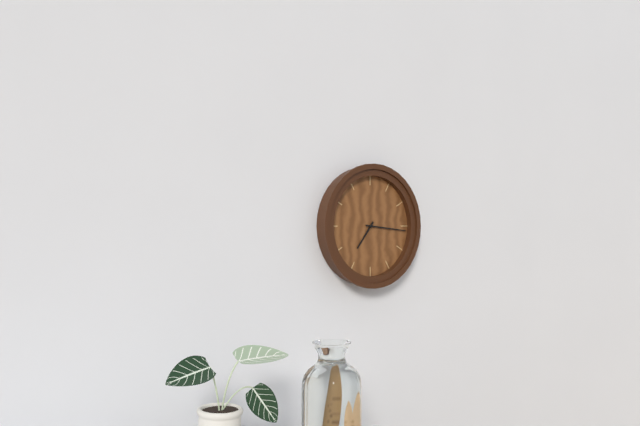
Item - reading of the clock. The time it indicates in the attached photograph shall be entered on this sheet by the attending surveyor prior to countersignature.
7:16
